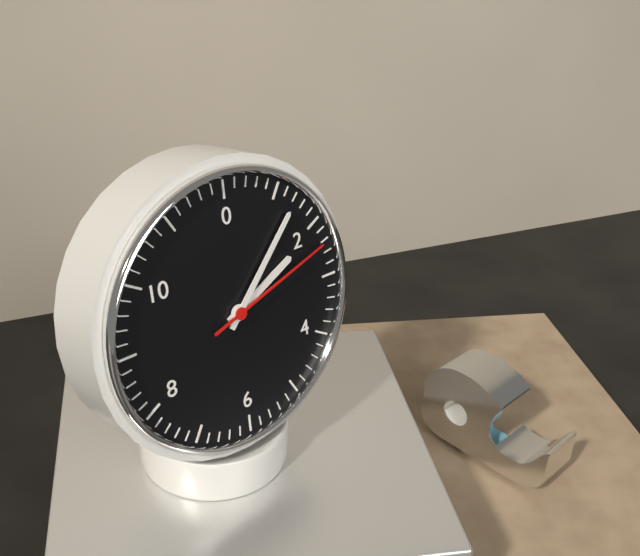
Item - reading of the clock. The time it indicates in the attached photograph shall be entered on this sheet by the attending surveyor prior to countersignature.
2:07:12
